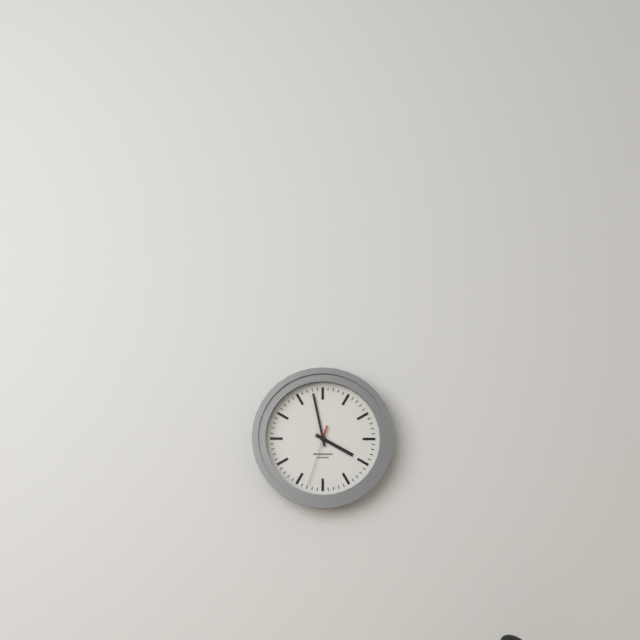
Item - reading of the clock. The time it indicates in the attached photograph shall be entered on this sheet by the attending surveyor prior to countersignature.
3:58:33
